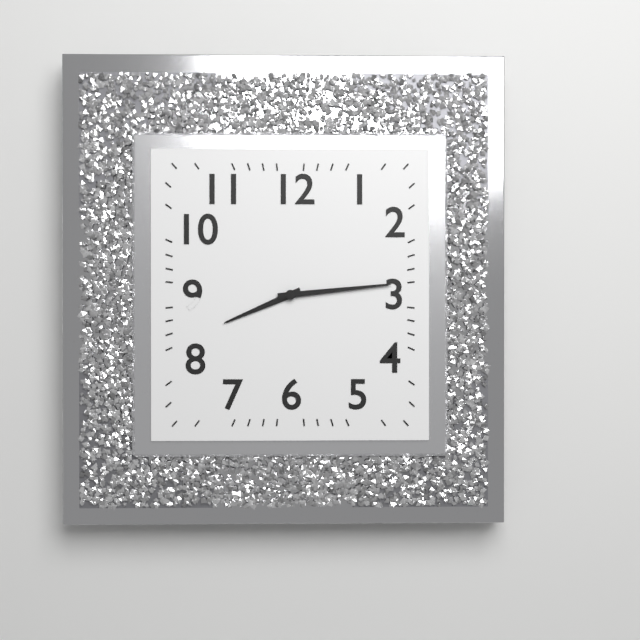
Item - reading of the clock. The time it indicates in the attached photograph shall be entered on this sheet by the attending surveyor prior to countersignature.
8:14
